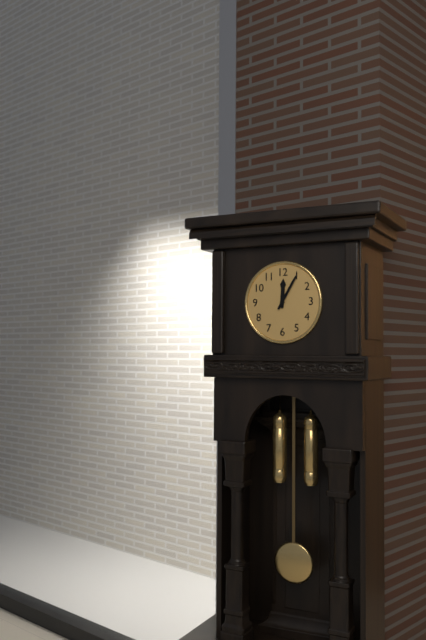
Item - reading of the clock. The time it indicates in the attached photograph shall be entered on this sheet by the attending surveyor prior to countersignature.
12:05
